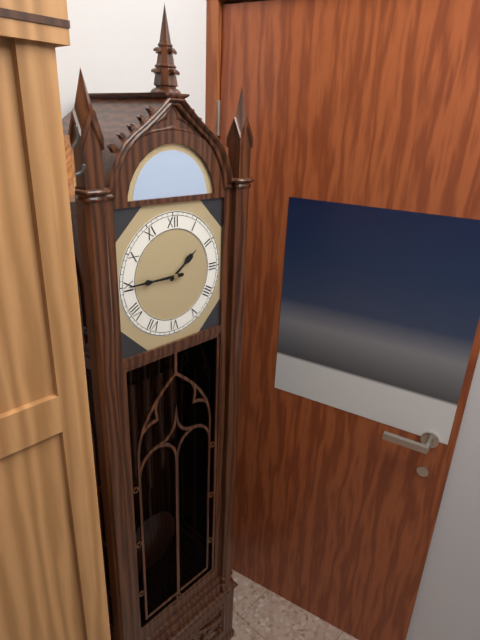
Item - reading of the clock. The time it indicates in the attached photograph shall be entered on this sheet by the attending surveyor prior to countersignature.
1:45
